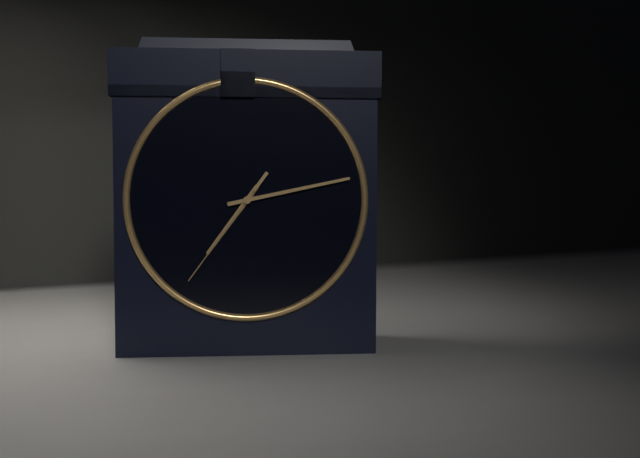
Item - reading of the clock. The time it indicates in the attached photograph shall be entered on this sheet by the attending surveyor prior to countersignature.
7:13:36
